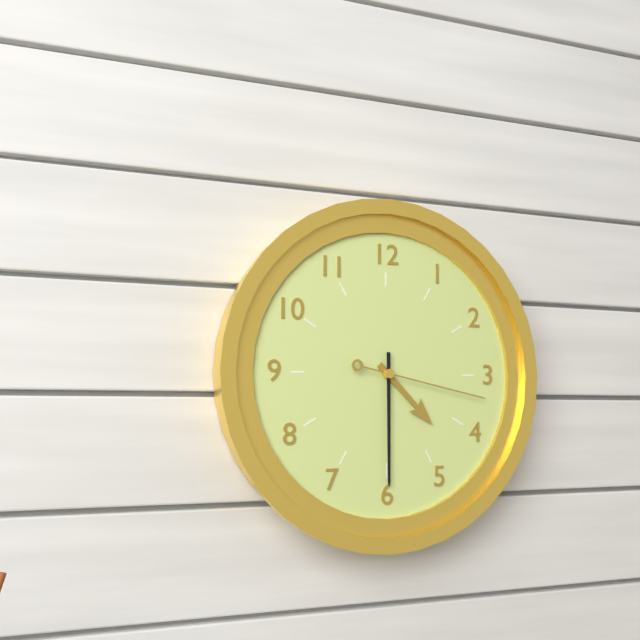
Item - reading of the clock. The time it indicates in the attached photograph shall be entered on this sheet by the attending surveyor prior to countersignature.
4:30:17
